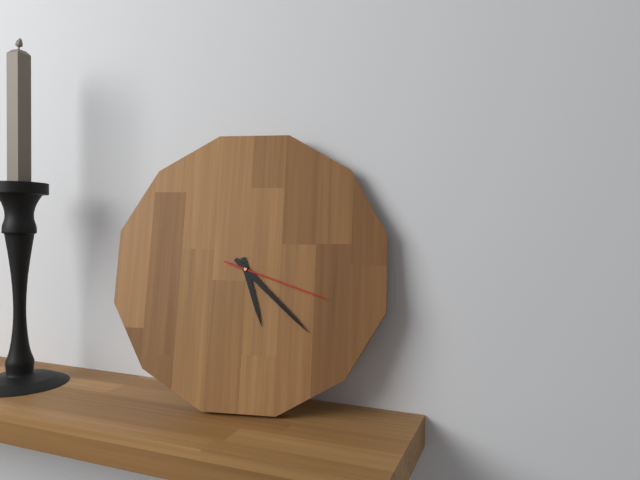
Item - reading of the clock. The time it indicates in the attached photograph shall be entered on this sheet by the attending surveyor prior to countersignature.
5:22:18
